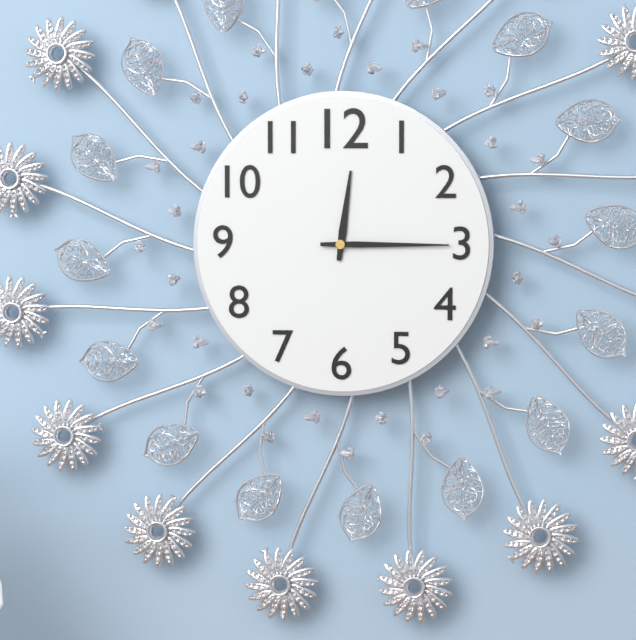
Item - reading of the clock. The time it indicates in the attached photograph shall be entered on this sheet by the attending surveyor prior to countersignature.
12:15
